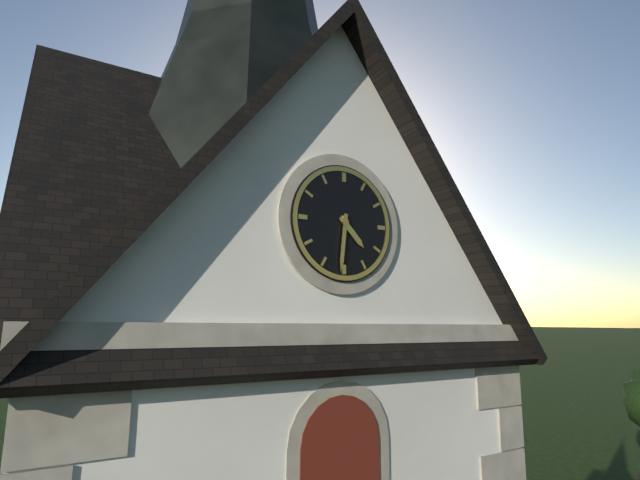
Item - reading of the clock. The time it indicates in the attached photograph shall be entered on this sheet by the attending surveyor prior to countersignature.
4:31
